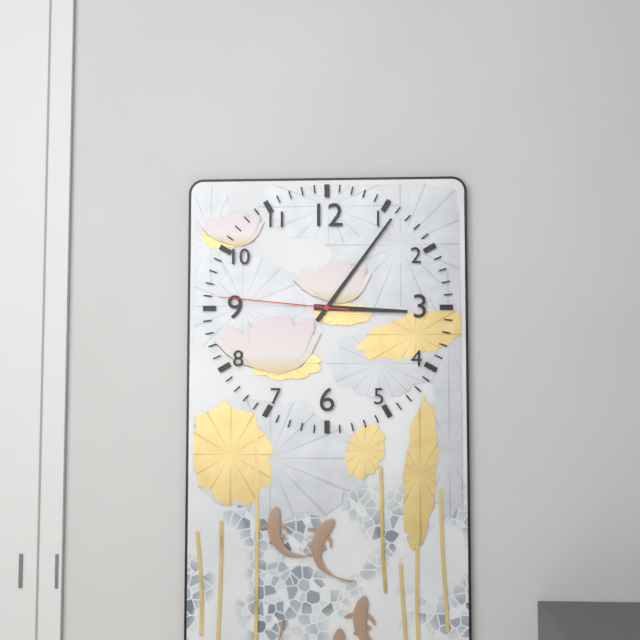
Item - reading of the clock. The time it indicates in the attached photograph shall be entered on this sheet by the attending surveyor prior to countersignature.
3:06:46
